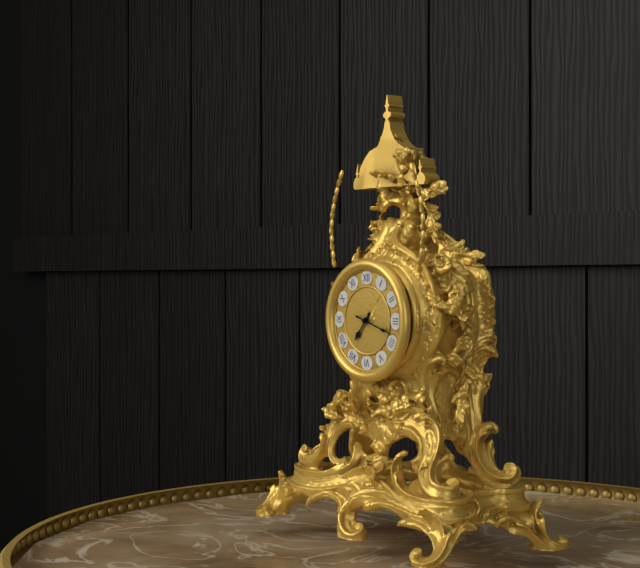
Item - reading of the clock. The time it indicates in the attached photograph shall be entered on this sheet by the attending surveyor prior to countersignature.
7:18
